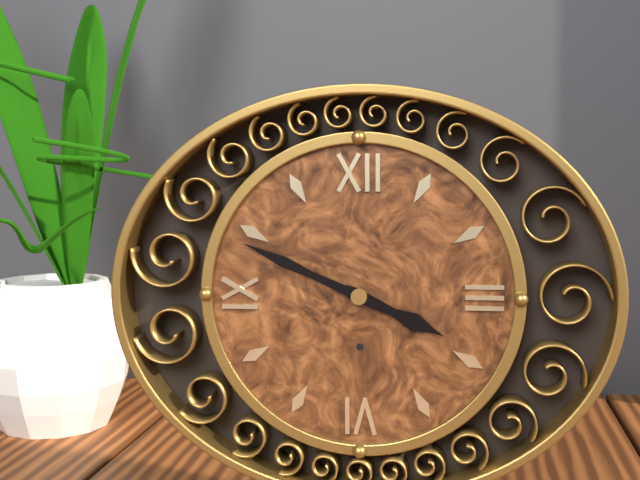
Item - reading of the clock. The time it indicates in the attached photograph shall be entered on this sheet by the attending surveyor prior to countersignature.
3:49
